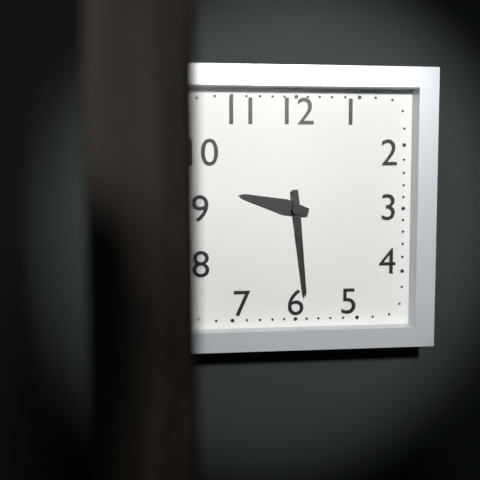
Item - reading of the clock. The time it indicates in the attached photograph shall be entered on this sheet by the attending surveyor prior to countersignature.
9:29
